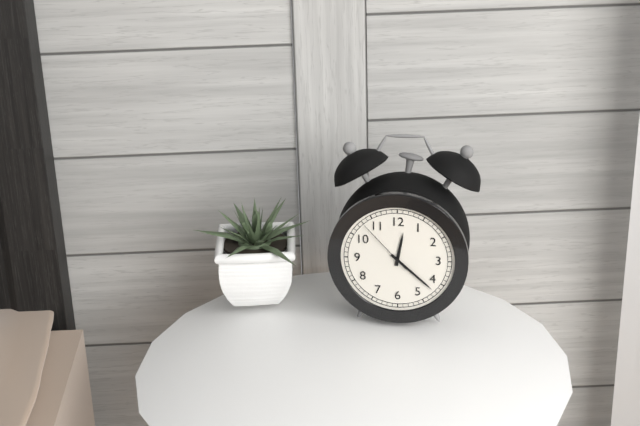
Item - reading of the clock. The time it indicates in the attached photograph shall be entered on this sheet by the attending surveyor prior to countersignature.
12:22:53
